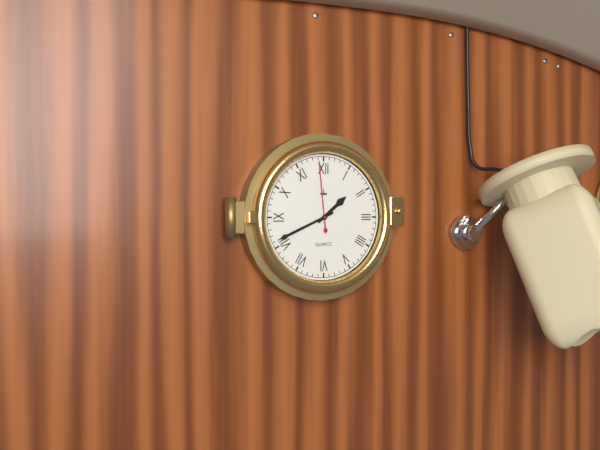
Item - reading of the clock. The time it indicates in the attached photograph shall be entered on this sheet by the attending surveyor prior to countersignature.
1:41:59
